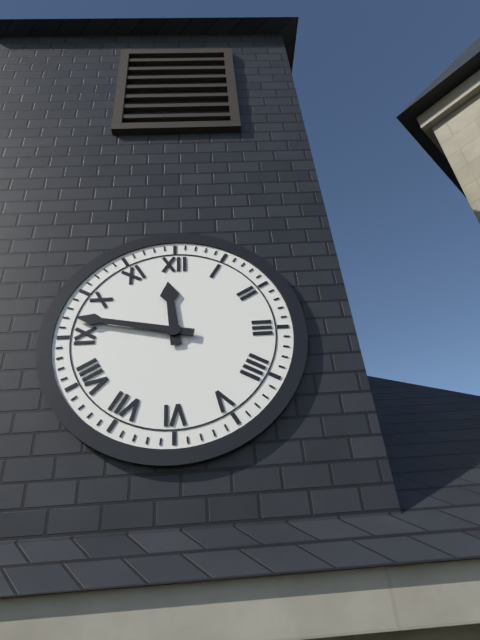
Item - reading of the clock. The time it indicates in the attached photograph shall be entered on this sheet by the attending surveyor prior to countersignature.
11:47
